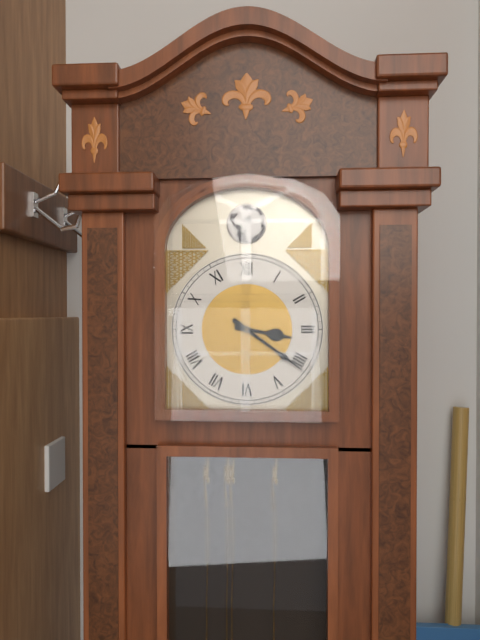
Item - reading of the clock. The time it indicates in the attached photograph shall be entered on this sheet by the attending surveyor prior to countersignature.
3:21
